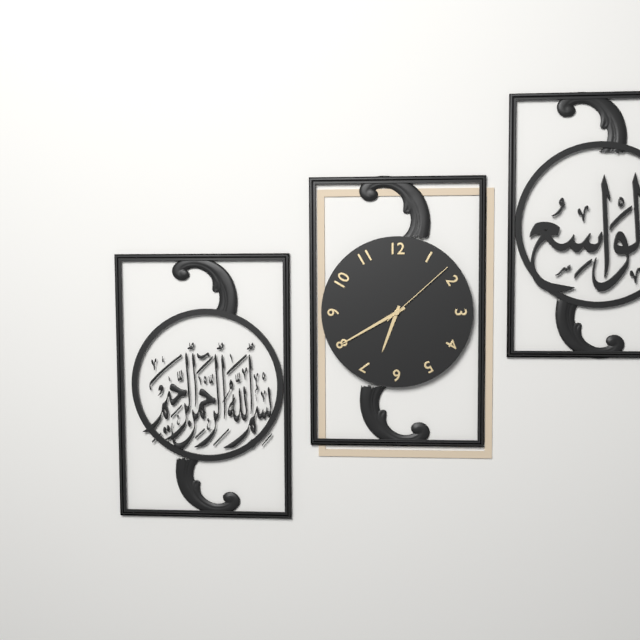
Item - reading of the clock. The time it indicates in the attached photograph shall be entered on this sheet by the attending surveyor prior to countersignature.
6:40:08
